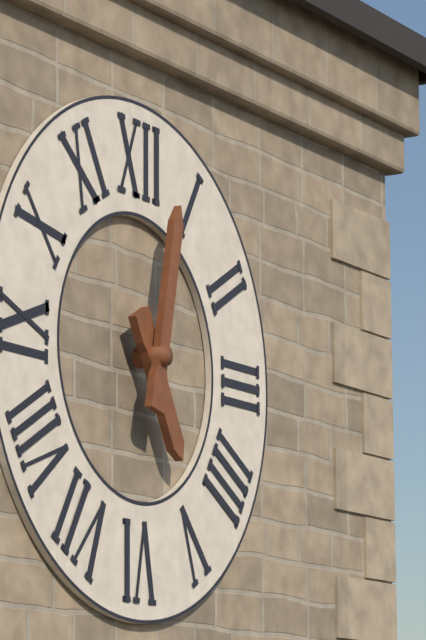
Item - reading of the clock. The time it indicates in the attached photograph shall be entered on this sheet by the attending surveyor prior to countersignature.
5:02
